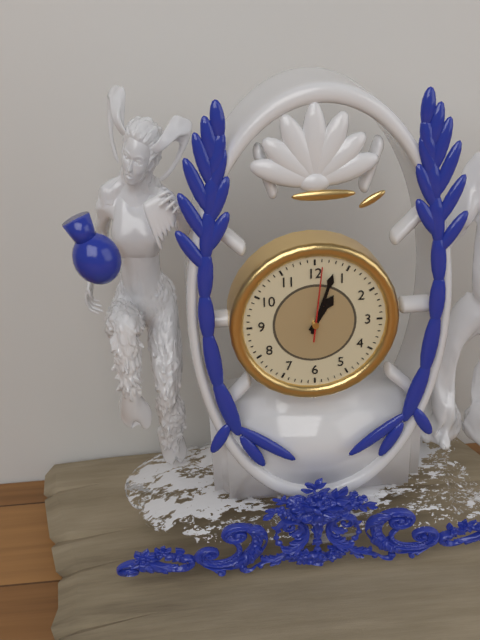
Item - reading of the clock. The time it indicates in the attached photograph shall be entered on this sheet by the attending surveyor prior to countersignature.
1:03:01
